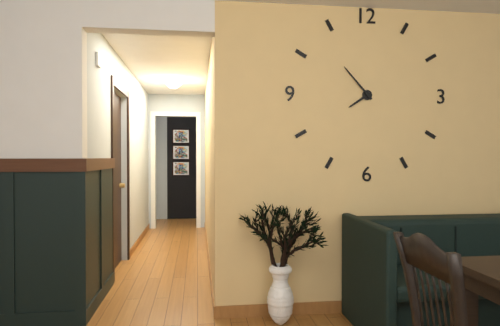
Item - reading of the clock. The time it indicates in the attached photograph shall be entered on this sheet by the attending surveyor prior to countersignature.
7:53
